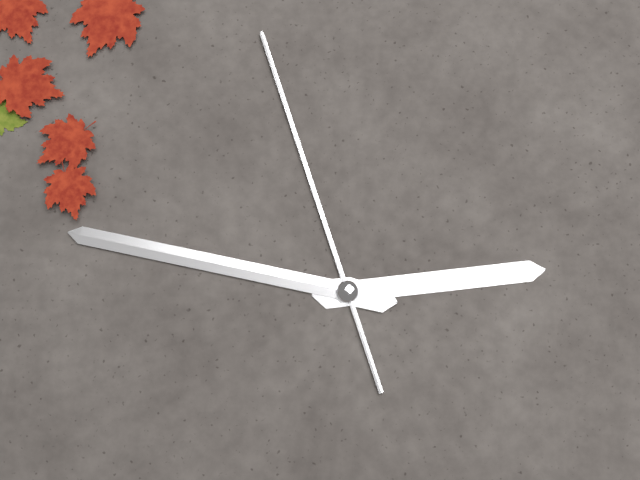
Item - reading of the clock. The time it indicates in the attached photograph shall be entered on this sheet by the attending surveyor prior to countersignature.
2:47:57
